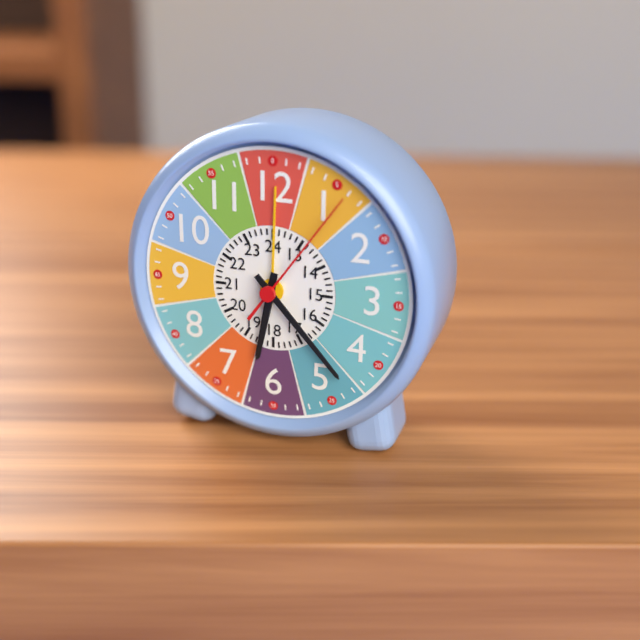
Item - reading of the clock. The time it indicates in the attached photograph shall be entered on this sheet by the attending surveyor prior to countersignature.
6:23:06
